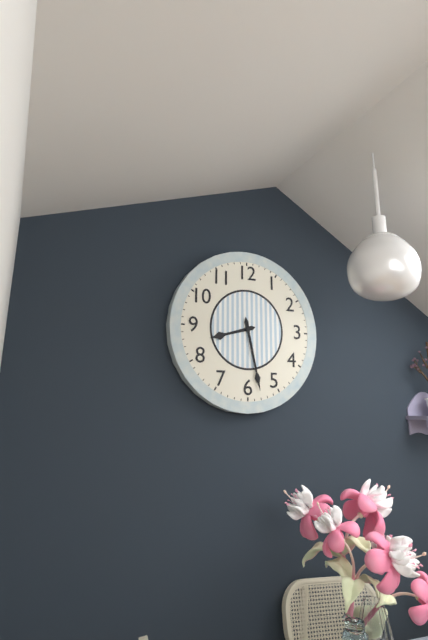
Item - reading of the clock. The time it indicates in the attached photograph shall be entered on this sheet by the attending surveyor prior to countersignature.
8:28
